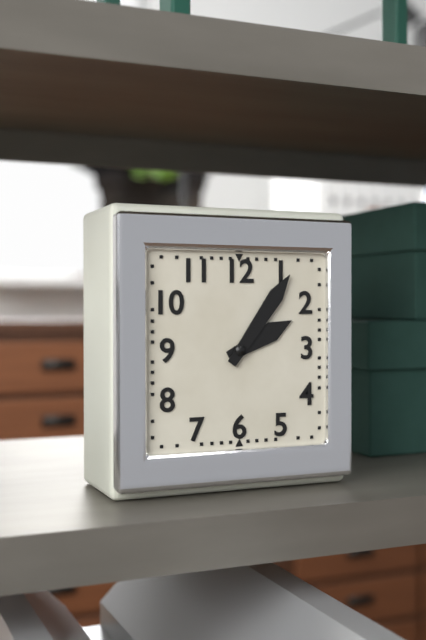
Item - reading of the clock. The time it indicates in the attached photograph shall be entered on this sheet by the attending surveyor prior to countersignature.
2:06
